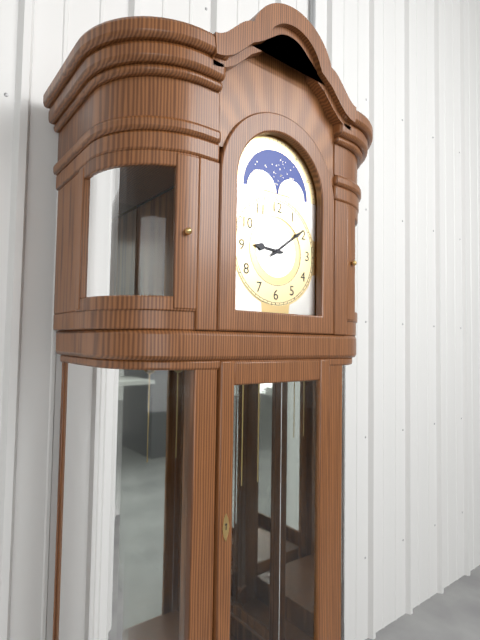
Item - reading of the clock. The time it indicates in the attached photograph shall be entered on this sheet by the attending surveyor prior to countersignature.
9:09
